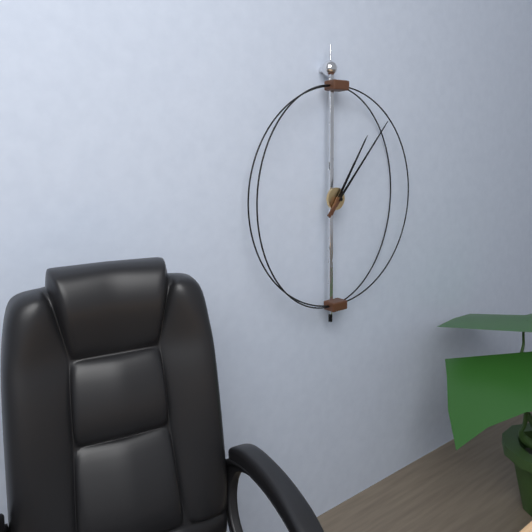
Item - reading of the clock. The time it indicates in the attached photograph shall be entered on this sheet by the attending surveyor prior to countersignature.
1:07
